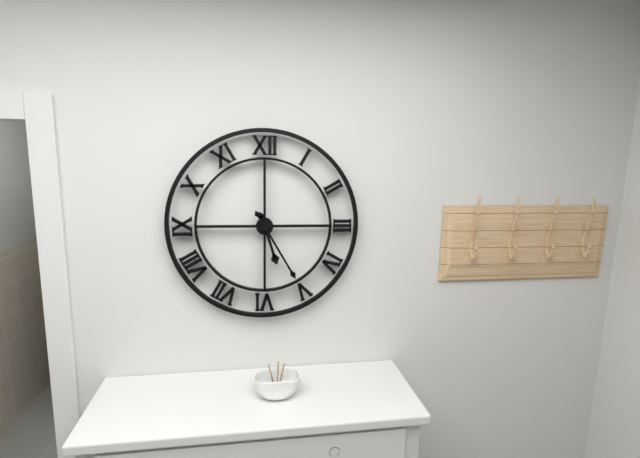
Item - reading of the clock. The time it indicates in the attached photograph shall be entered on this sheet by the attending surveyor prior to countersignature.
5:25
